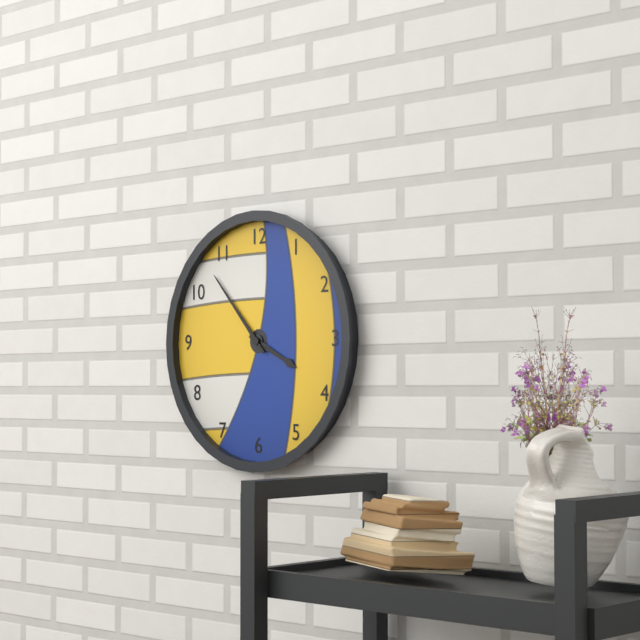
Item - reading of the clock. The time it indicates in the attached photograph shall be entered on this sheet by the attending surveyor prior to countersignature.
3:53
